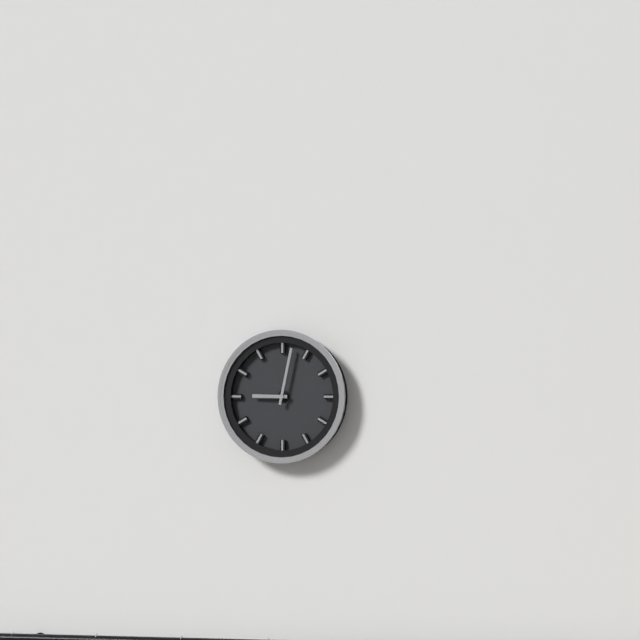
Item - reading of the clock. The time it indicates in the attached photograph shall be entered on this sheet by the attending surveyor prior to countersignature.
9:02
